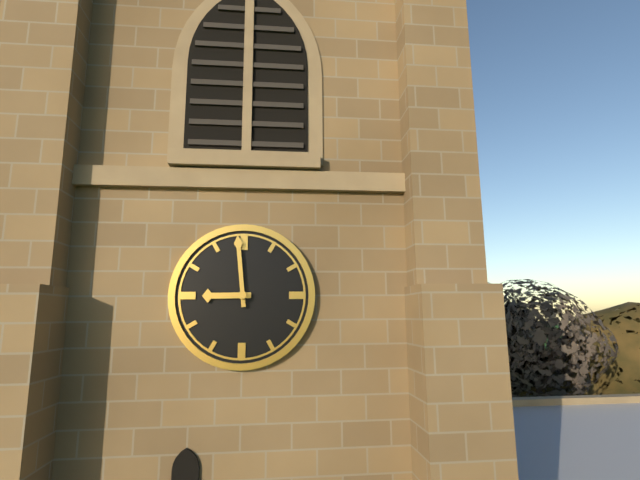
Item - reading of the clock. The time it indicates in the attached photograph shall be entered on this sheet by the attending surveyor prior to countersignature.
8:59
